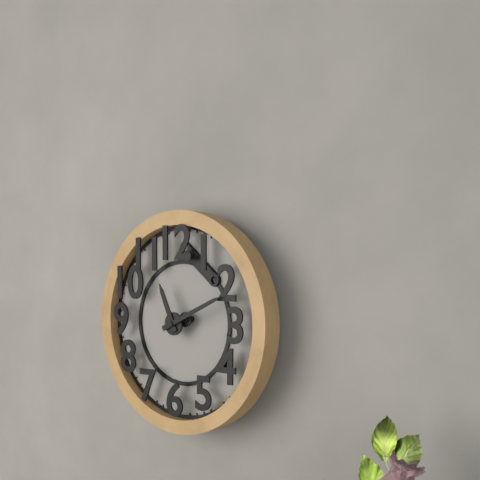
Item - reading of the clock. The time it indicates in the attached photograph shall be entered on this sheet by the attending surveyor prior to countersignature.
11:11
